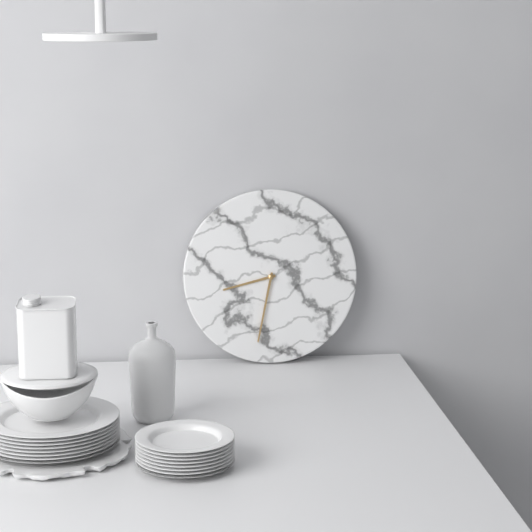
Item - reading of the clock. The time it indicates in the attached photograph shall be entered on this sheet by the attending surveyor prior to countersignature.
8:32
